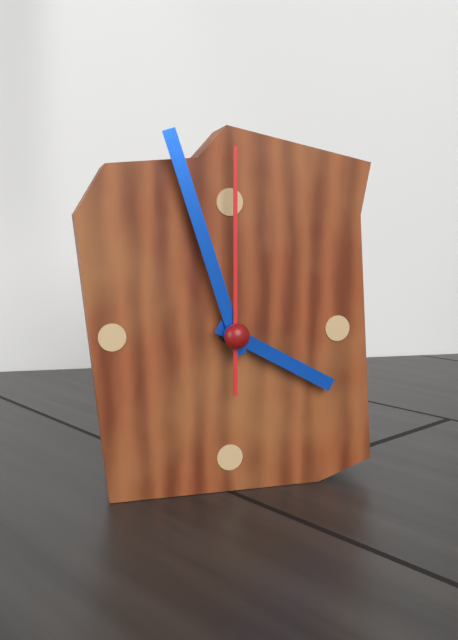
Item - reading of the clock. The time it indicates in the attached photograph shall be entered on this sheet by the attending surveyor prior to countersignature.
3:57:00
